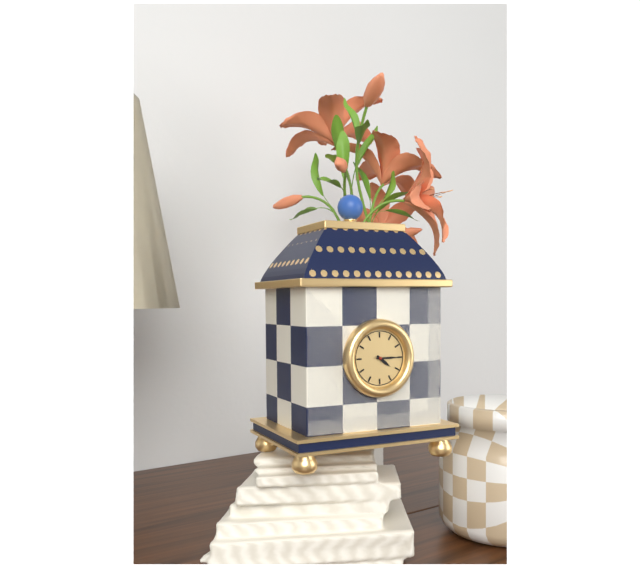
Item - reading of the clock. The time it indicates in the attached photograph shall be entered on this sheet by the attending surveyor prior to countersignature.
4:15
